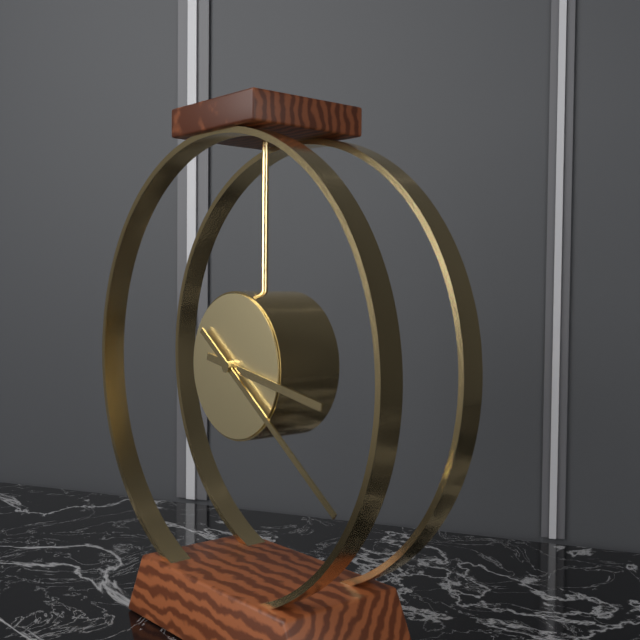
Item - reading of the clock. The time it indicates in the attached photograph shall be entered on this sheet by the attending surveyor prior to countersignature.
3:21
